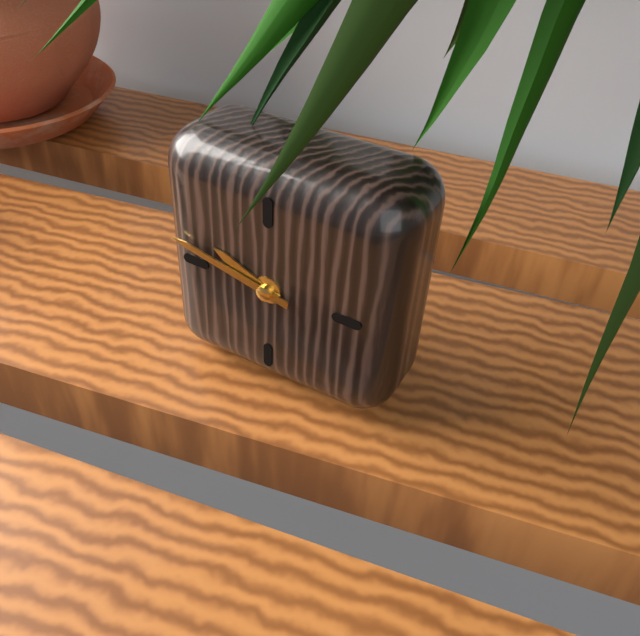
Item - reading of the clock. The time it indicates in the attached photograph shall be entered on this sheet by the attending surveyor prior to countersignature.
9:47
